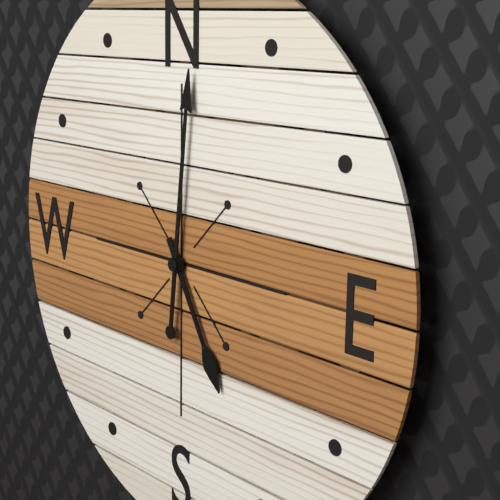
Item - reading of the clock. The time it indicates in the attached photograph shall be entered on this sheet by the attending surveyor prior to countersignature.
5:01
